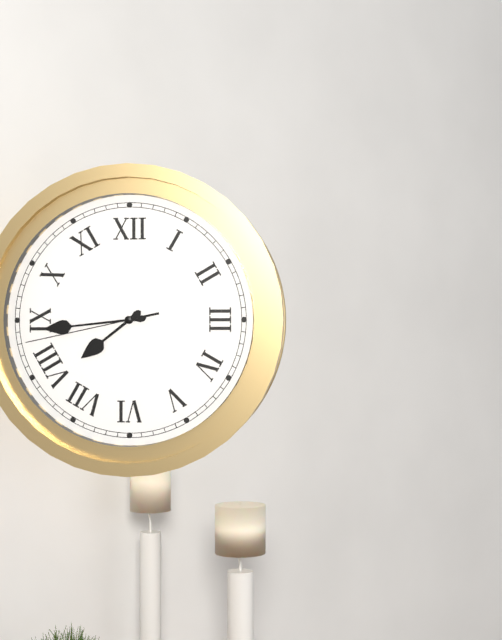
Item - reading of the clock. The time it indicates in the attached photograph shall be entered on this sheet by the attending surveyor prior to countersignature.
7:44:43
